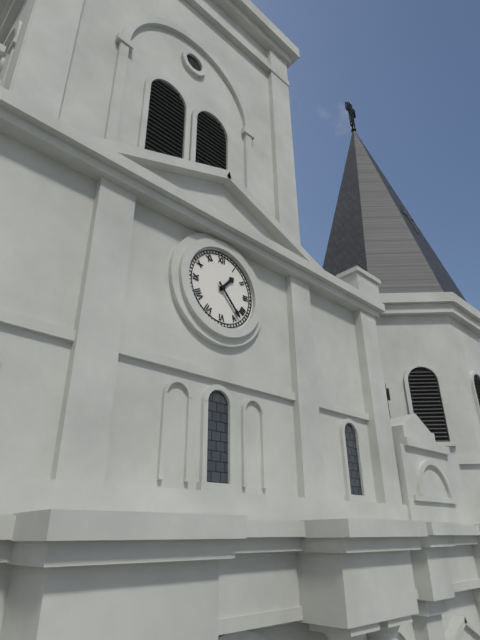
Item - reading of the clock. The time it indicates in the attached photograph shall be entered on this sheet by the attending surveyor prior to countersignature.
1:23
